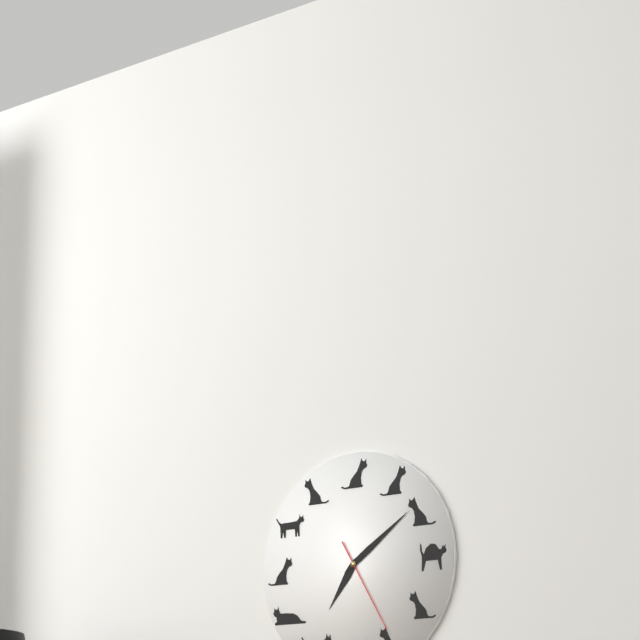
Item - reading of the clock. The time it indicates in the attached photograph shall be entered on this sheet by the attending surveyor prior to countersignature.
7:09:25
